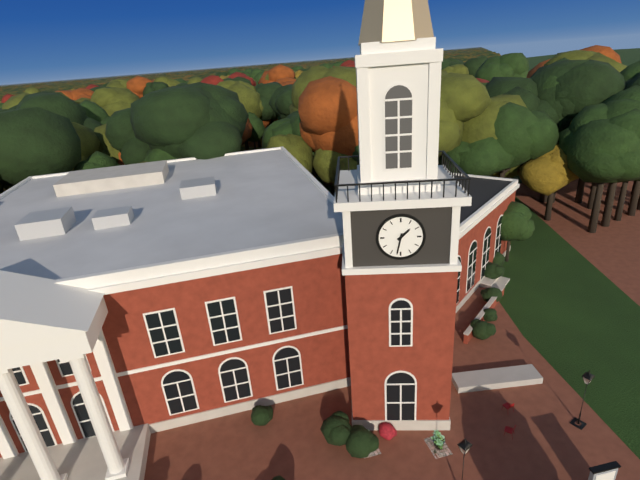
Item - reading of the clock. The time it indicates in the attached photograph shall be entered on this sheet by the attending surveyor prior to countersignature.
1:32
